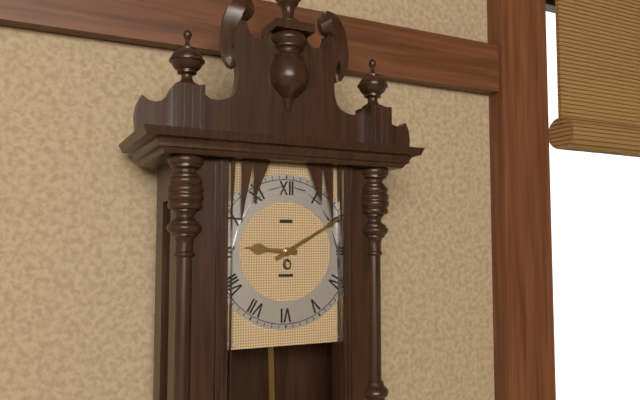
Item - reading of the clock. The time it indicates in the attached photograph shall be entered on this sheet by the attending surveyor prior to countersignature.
9:10
